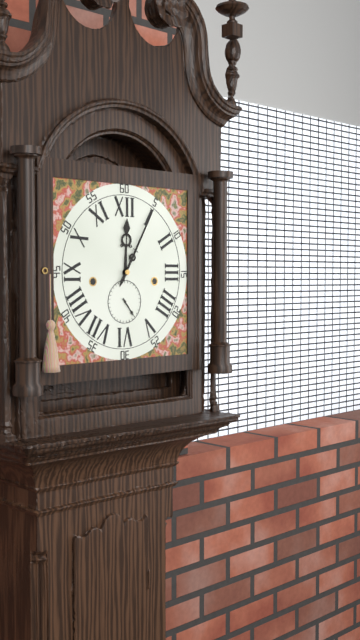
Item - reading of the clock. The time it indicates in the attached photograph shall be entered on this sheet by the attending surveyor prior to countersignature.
12:05
